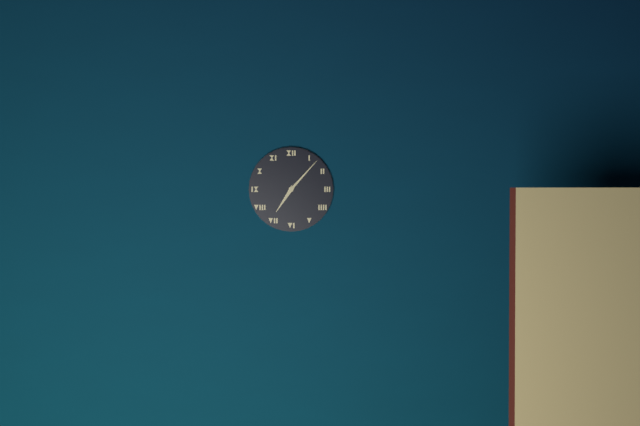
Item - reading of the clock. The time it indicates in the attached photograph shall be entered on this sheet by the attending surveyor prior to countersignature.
7:07
